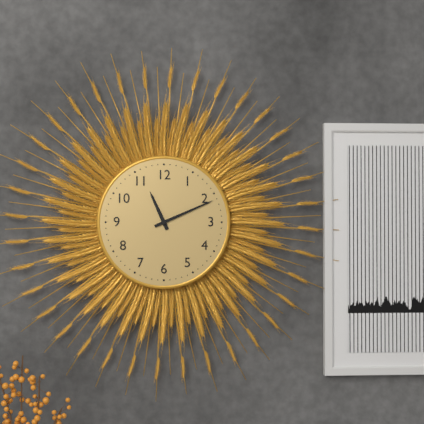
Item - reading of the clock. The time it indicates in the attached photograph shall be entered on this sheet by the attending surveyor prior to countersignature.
11:11
